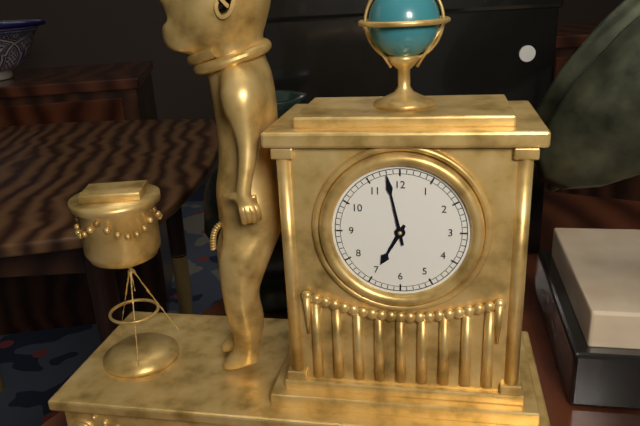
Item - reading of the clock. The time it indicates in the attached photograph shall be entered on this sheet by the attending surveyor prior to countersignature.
6:58
